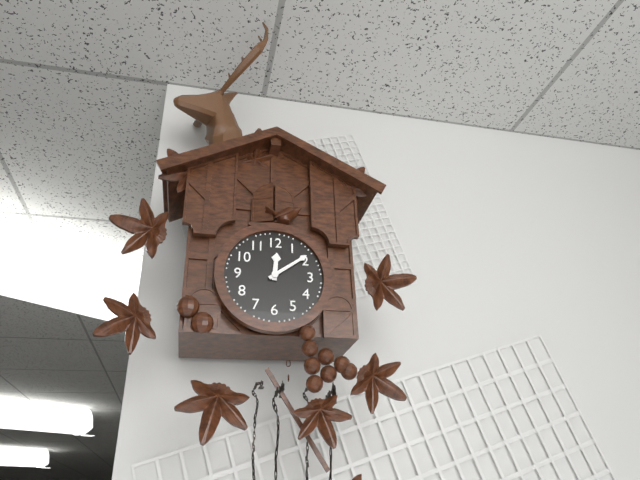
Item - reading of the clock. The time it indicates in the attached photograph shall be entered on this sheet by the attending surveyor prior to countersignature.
12:09
